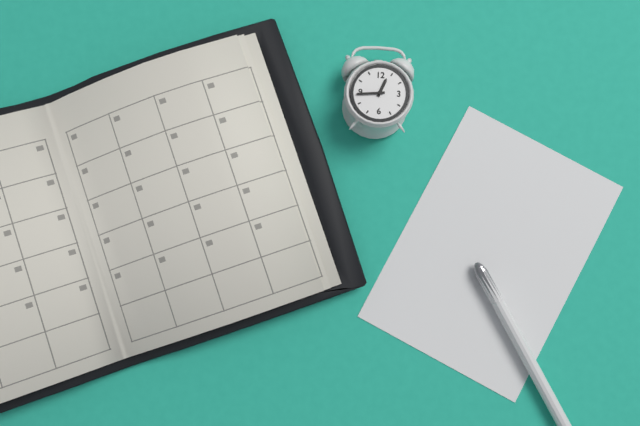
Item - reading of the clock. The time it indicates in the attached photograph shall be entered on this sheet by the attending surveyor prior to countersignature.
12:44
